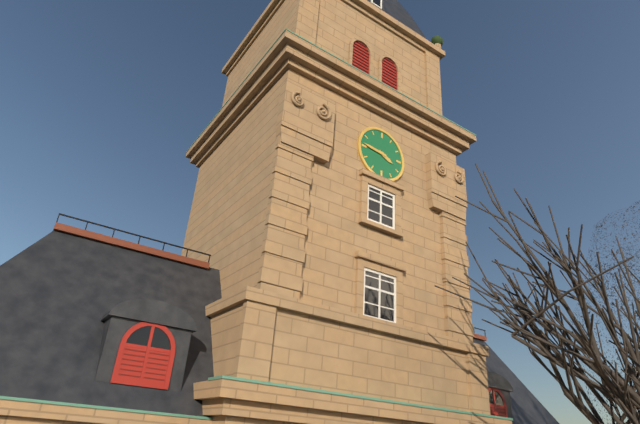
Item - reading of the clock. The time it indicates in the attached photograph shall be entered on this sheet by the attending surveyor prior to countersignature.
3:46
